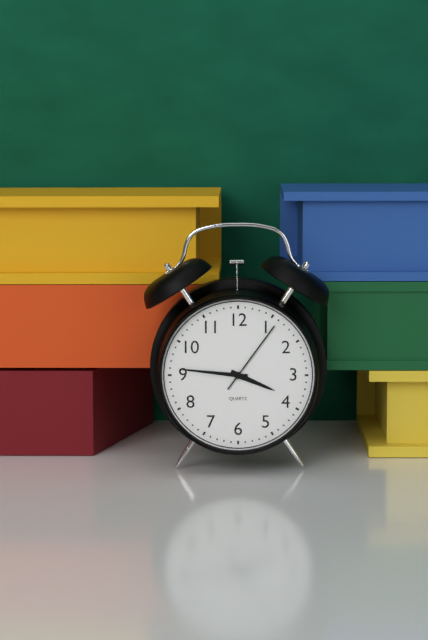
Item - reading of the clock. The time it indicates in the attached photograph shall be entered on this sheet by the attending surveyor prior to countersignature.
3:46:06
